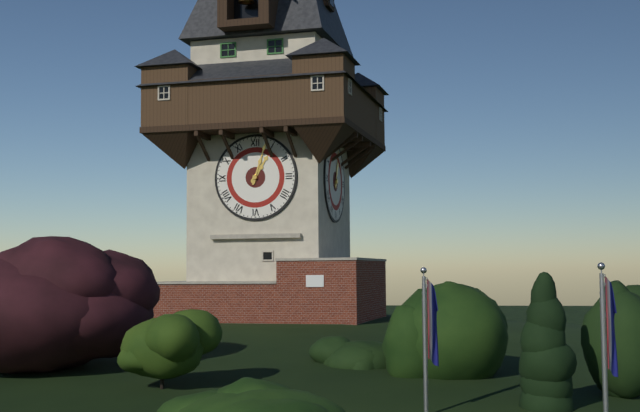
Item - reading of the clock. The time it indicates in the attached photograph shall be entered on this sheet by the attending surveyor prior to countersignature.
1:03
